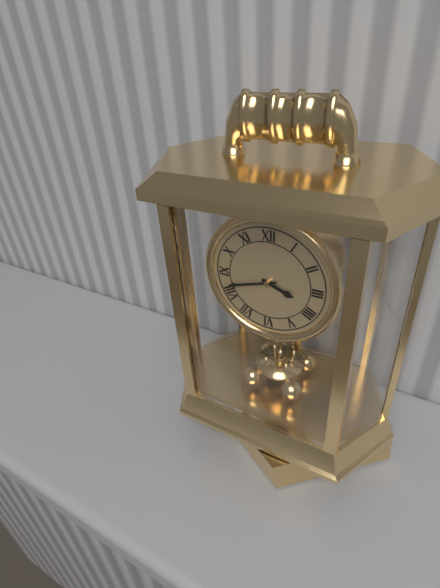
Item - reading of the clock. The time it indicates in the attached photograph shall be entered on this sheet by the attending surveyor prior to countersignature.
3:42
